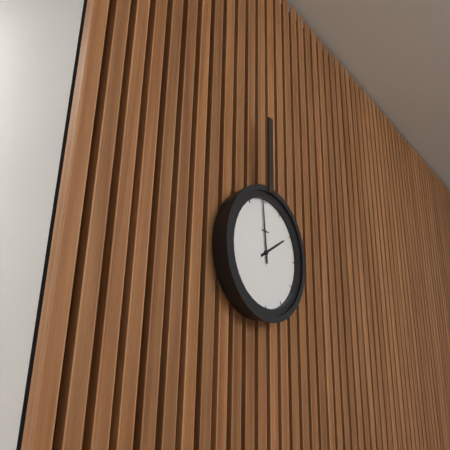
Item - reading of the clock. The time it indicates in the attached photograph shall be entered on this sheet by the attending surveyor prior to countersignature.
1:59
